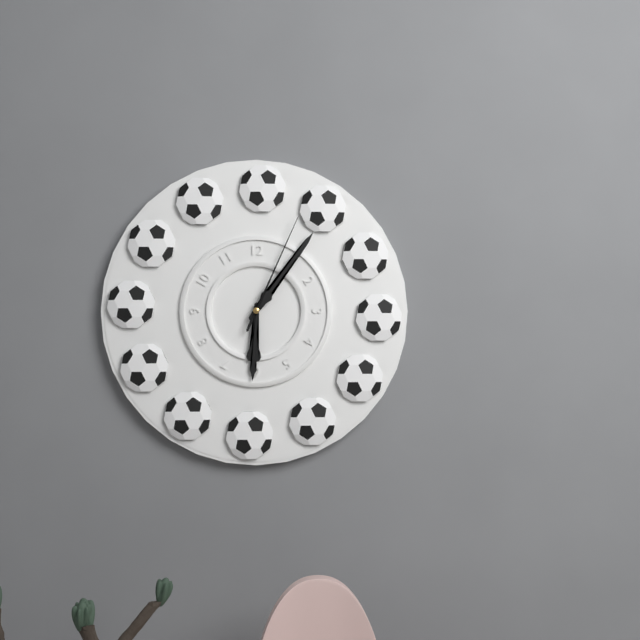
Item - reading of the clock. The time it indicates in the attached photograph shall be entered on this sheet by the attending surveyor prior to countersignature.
6:06:04
